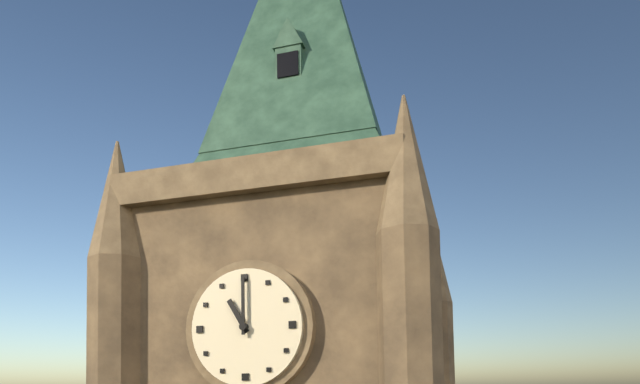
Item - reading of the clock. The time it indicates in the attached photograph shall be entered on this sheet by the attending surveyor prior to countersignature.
11:00
